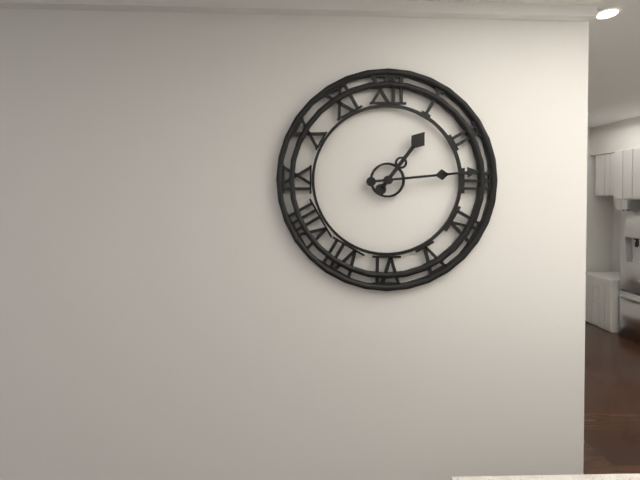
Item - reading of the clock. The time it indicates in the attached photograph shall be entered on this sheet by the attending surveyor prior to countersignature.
1:14
